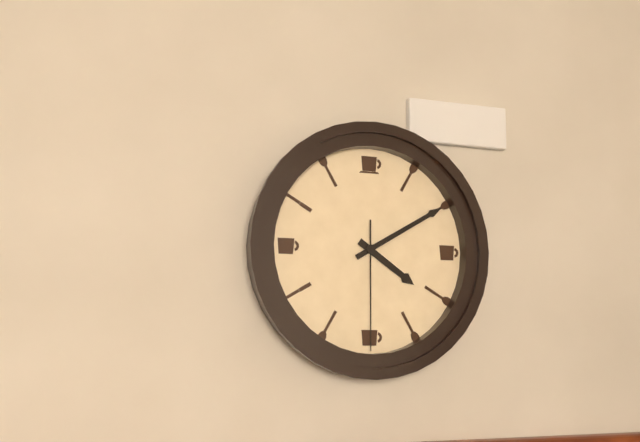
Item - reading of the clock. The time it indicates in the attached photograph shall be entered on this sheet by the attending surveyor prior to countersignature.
4:10:30
